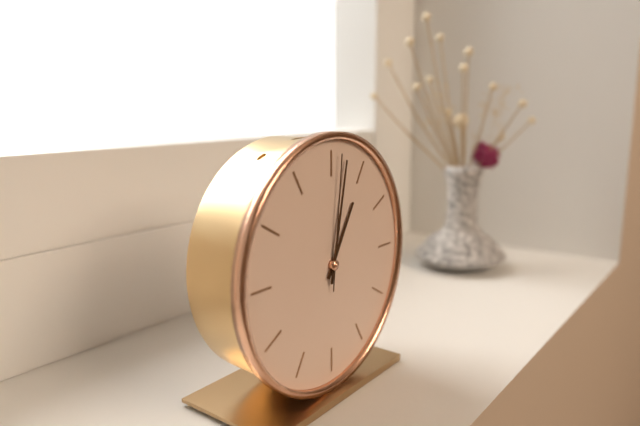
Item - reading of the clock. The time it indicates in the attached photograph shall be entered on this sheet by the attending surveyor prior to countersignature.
1:02:01
